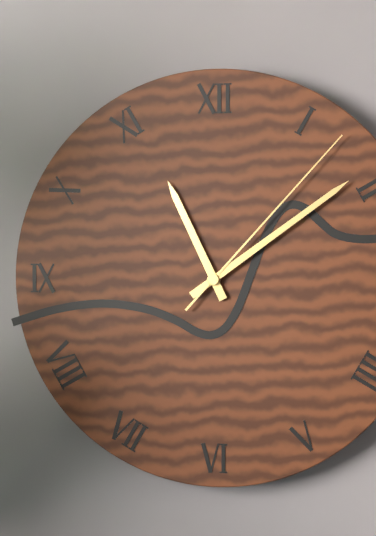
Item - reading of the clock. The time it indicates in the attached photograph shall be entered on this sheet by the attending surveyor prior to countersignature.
11:09:07
